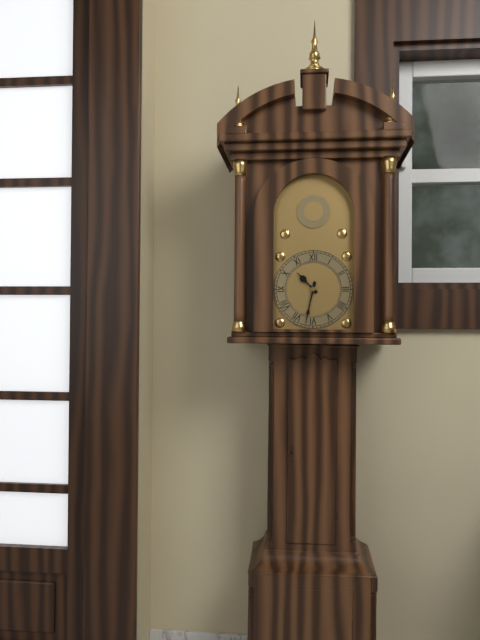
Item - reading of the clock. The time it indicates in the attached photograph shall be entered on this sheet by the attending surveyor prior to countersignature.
10:32
